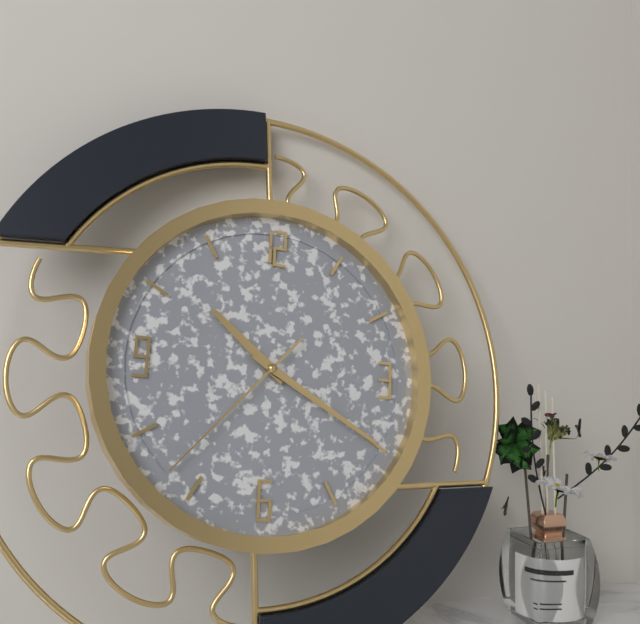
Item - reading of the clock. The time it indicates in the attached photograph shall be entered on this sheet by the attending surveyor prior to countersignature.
10:20:37
